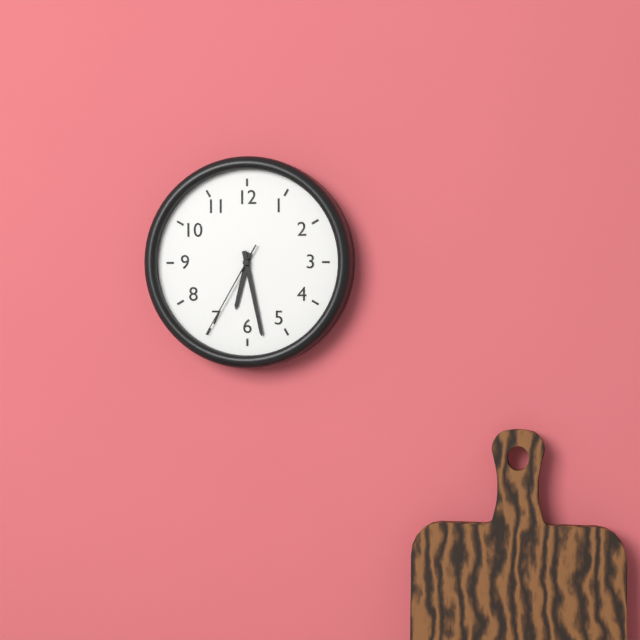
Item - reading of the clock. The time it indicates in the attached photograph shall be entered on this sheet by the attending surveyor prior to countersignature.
6:28:35
